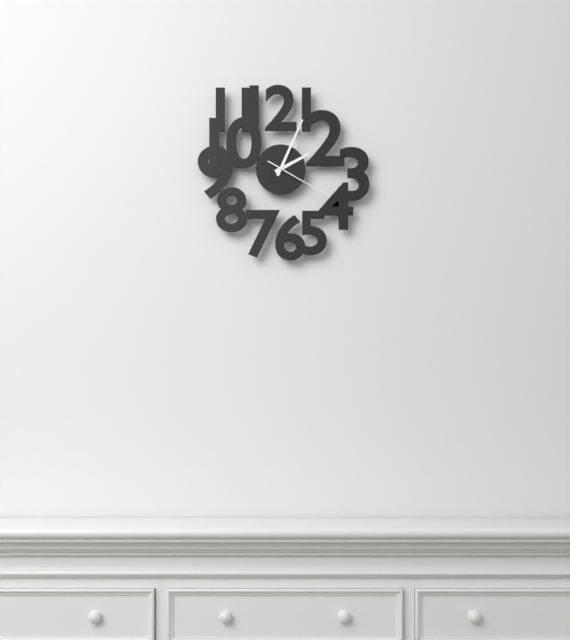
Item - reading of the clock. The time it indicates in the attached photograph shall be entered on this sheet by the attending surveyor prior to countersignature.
2:04:20
